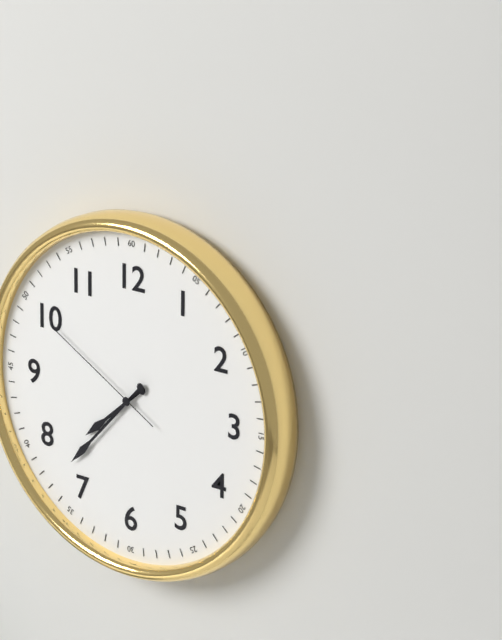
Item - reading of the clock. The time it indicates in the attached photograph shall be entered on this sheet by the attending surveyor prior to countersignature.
7:37:50
